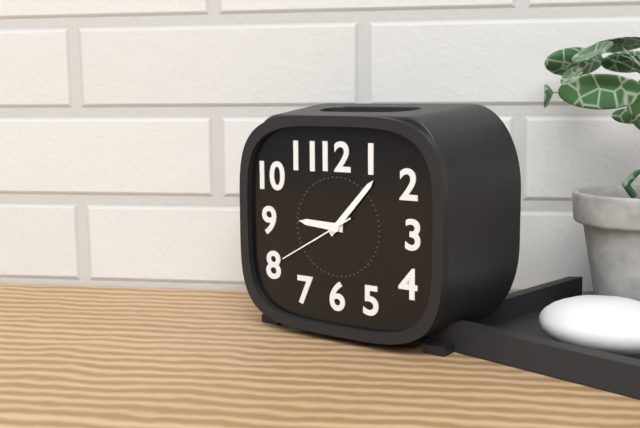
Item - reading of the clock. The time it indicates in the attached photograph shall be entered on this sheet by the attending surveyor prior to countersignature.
9:07:40
